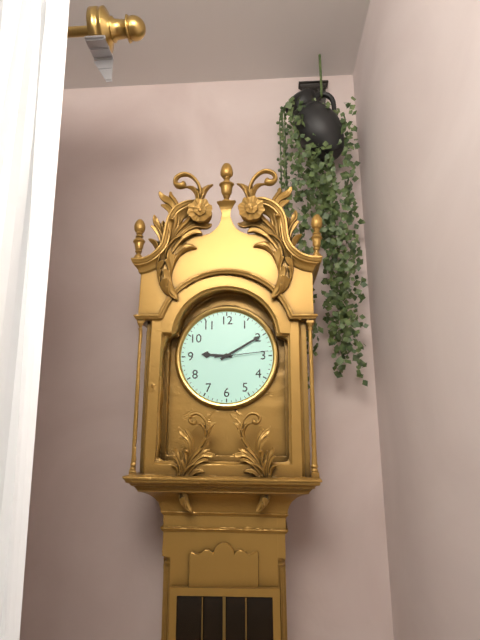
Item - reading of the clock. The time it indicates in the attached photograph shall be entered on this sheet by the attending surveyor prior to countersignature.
9:10:14
